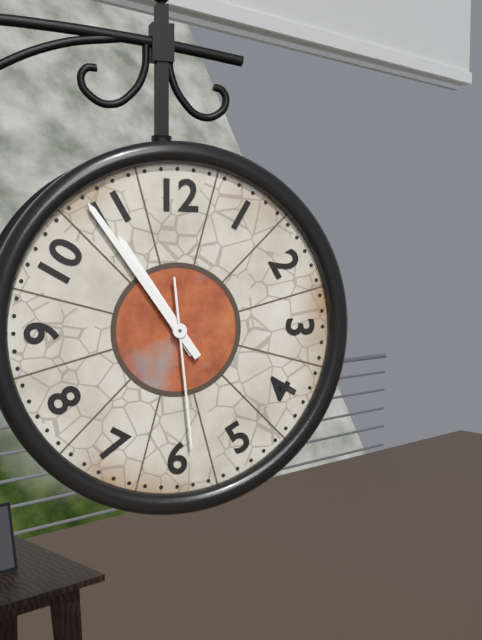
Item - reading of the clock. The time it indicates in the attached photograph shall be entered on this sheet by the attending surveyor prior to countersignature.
10:54:29
